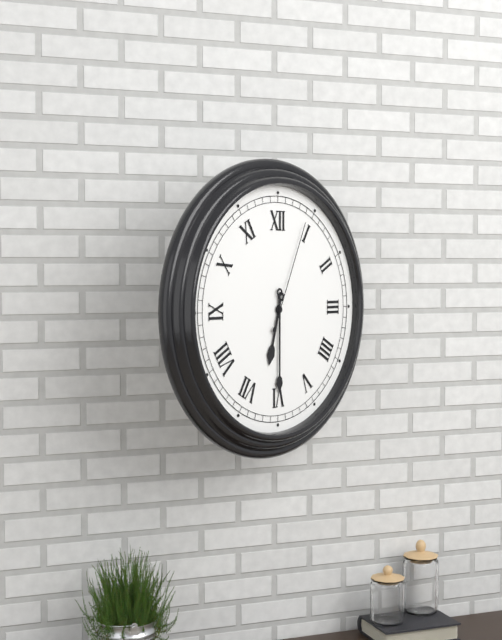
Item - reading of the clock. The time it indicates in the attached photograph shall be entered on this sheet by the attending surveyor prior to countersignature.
6:30:04
